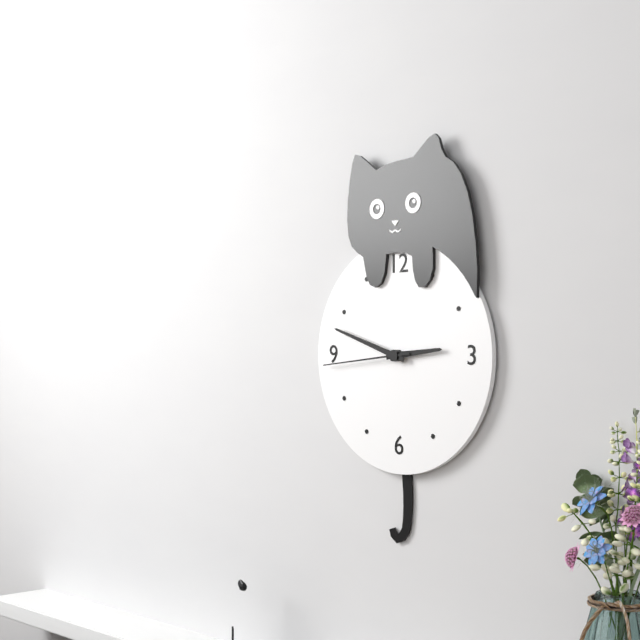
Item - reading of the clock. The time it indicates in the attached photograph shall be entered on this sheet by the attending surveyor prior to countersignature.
2:48:44
